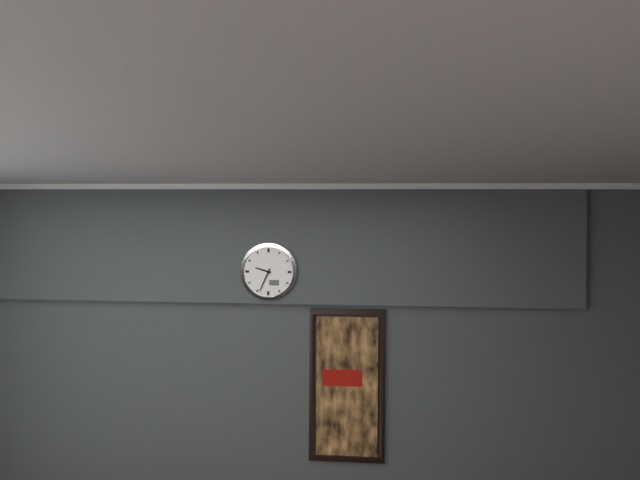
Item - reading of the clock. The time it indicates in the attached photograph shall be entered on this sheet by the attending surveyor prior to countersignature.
9:34
